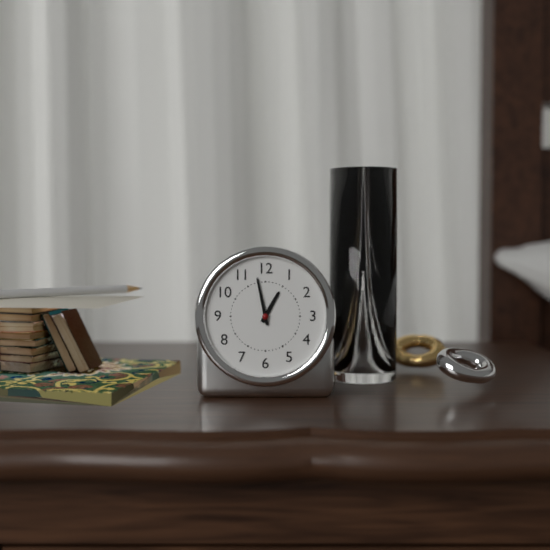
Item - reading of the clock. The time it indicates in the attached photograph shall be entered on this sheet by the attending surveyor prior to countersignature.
12:58
